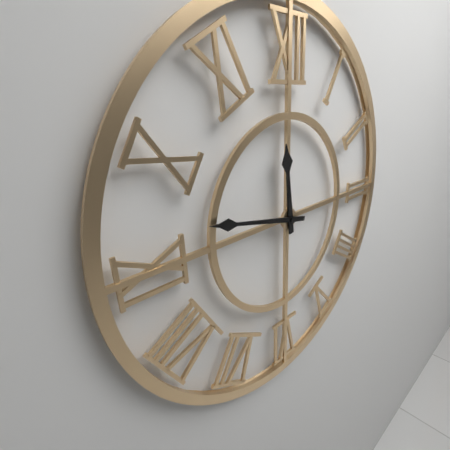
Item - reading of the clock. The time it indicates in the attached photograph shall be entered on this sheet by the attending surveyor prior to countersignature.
11:47
